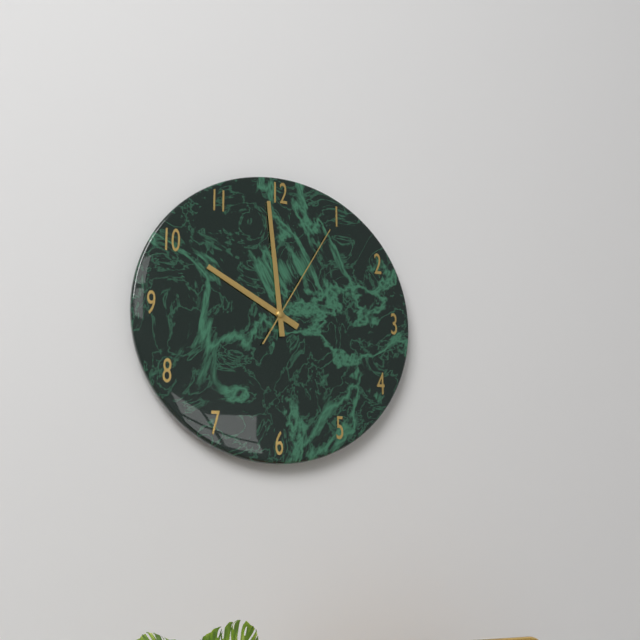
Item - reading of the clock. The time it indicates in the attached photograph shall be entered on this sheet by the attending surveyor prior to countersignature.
9:59:05
